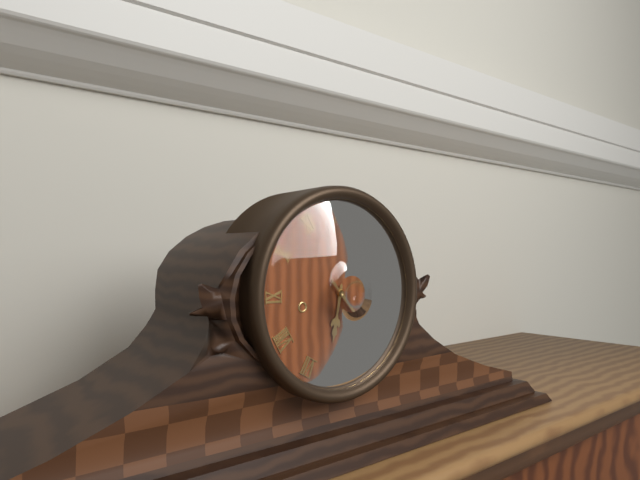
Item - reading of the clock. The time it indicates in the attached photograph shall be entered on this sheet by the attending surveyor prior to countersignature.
6:23
